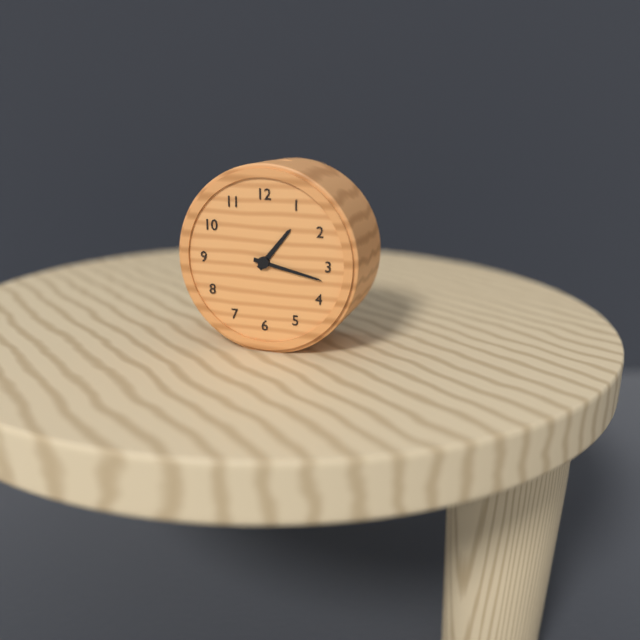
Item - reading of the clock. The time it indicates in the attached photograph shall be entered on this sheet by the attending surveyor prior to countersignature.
1:17
